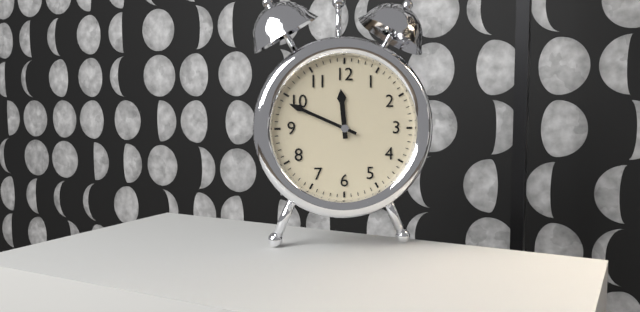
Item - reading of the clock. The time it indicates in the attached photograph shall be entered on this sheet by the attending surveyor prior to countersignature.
11:49
